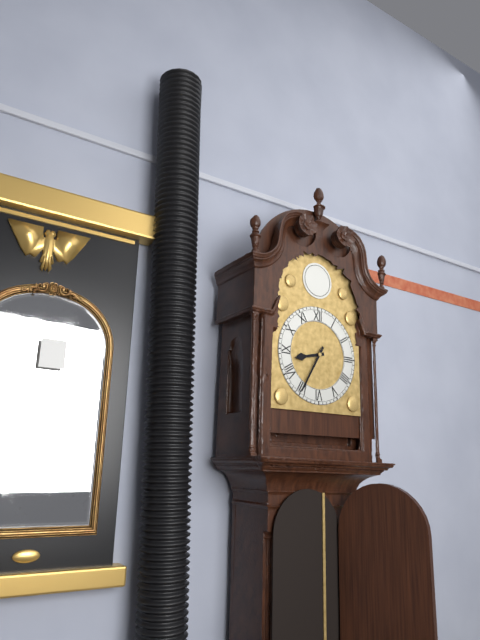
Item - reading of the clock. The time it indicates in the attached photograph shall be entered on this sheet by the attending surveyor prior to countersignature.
8:35
